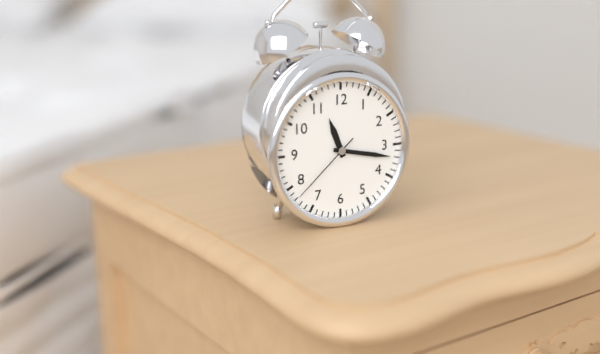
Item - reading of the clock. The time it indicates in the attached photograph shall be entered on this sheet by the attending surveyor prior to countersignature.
11:17:38
